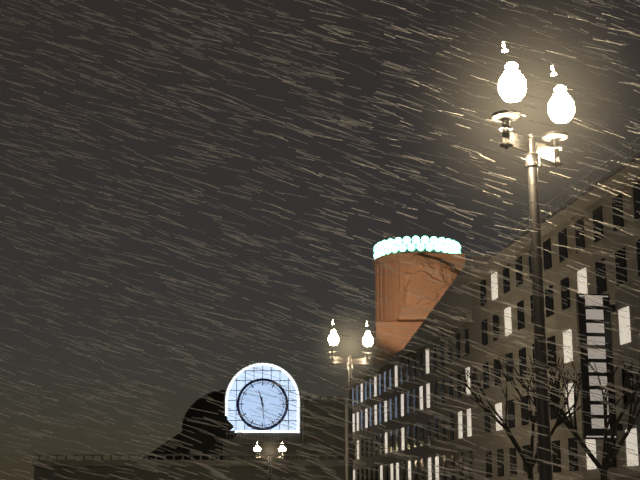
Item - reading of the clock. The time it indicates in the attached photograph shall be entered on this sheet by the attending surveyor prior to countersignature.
11:29
